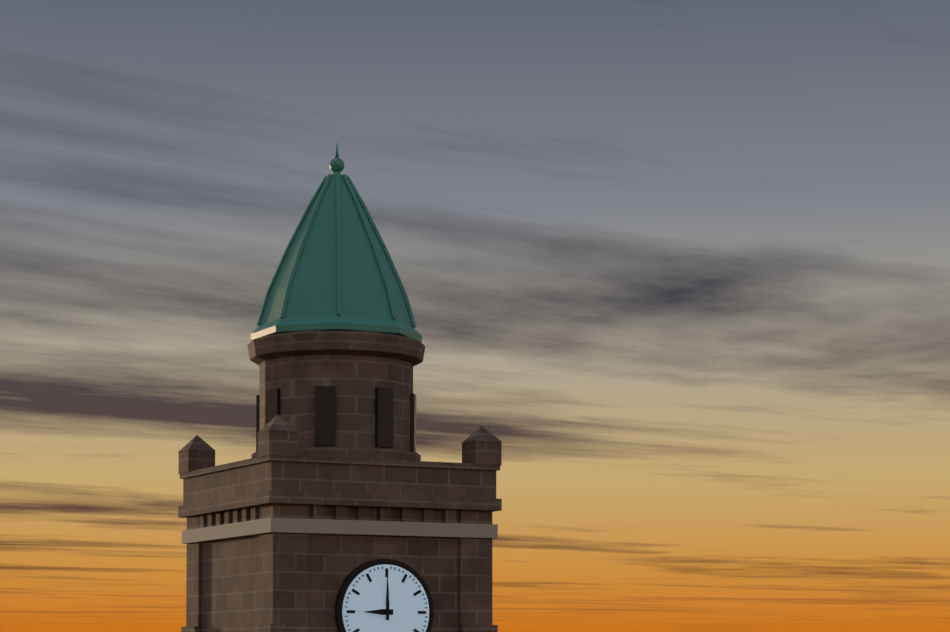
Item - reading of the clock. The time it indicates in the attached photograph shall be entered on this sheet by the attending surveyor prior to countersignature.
9:00
